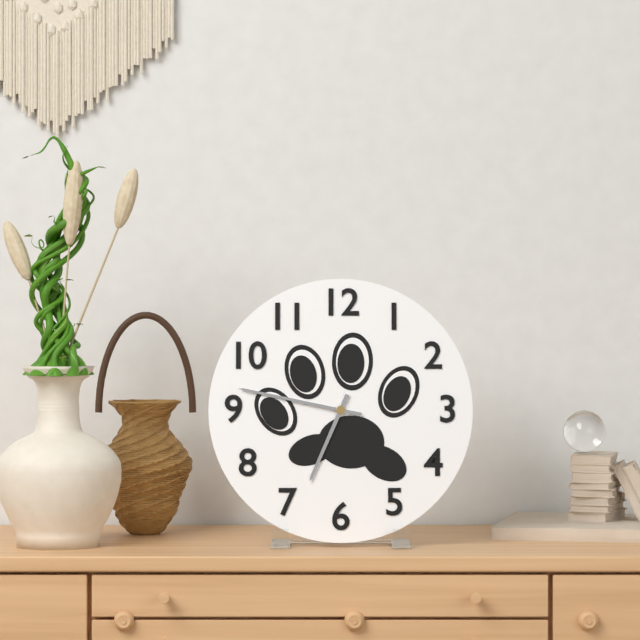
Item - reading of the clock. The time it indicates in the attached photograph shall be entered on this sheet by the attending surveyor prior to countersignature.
6:47
